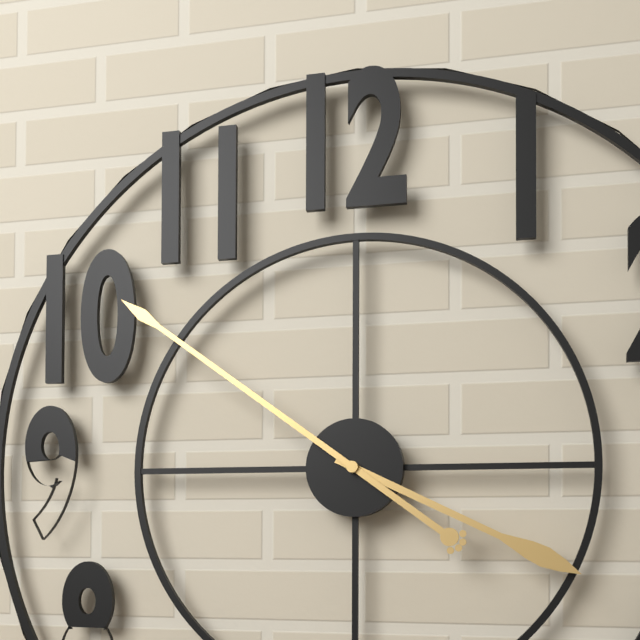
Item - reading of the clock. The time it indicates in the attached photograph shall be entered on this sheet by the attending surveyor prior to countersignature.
3:51
